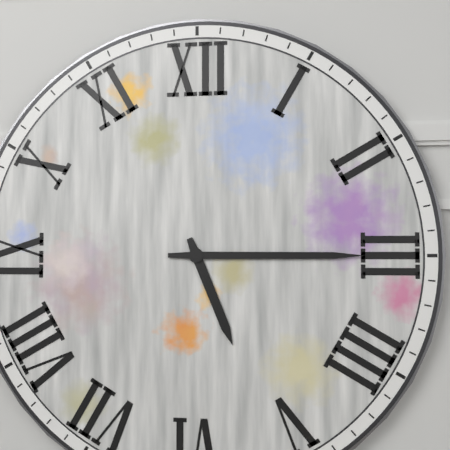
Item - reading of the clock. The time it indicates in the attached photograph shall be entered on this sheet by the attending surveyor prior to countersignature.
5:15
